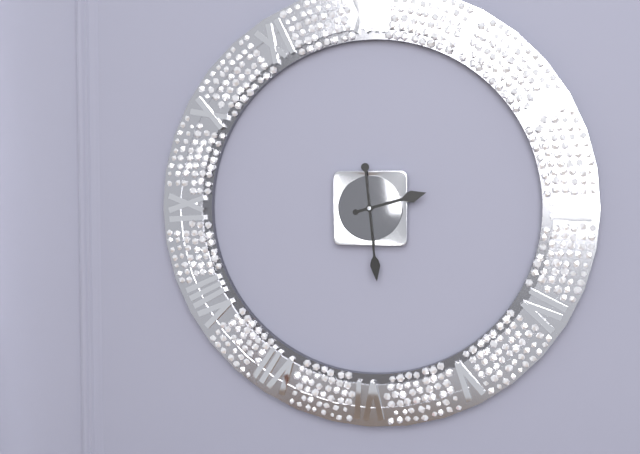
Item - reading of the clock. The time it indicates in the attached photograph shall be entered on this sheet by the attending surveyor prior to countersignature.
2:29
